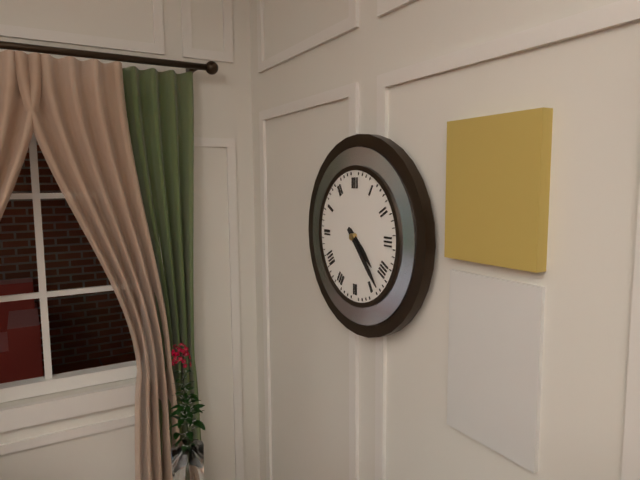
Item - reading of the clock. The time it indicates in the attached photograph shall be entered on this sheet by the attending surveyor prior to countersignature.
4:23
